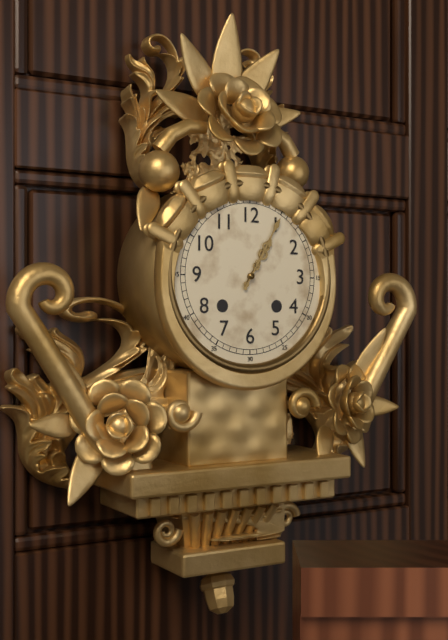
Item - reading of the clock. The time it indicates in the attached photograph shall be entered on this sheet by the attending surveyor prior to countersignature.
1:05
